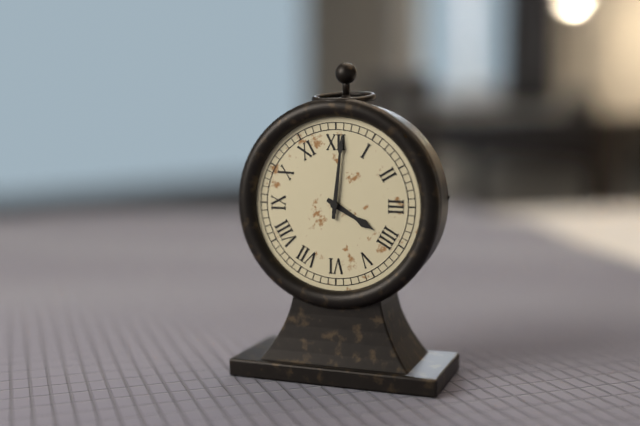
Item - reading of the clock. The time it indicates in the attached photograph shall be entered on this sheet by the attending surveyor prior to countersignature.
4:01
